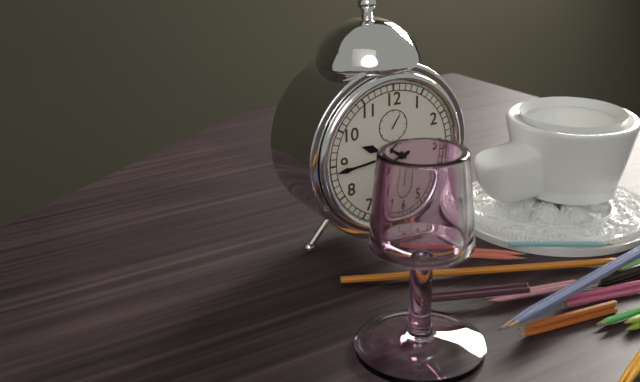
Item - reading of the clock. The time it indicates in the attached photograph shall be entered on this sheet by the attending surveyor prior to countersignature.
9:44
